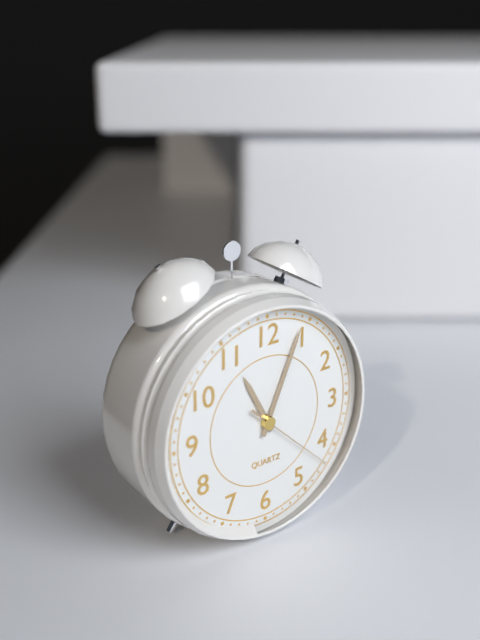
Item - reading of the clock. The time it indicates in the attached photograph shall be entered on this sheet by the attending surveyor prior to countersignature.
11:04:22
